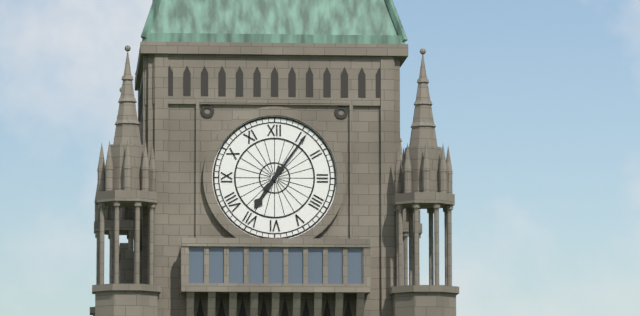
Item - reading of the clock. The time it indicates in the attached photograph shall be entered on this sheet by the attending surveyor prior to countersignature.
7:06
